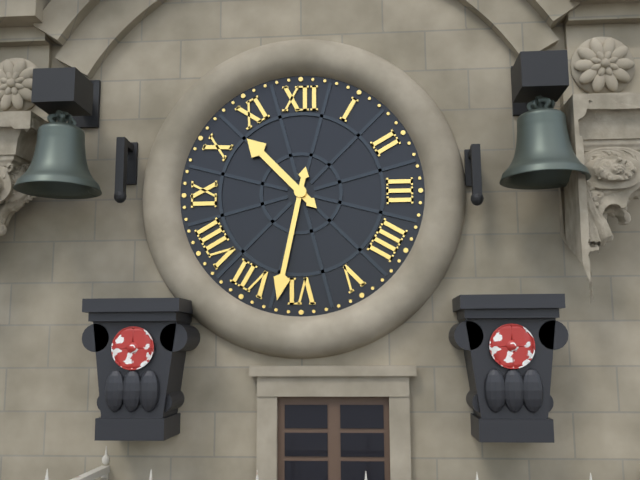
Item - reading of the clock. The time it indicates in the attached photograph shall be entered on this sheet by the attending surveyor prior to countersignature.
10:32
